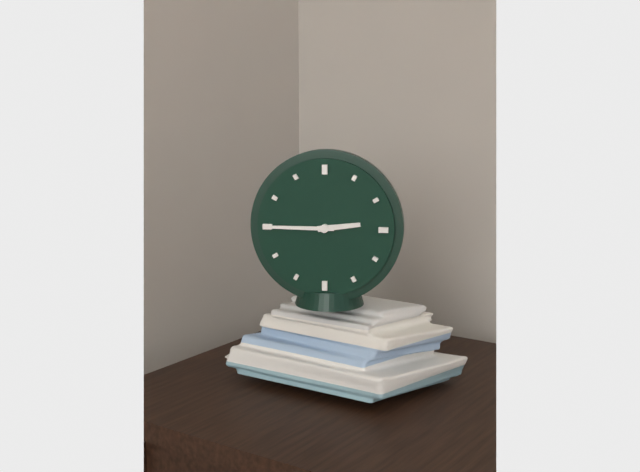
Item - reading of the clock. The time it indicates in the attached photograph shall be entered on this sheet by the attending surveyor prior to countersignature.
2:45
